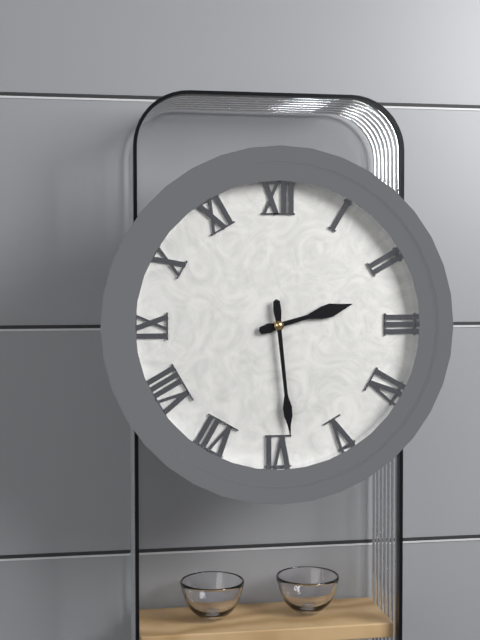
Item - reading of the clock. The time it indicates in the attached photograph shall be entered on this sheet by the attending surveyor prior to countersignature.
2:29
